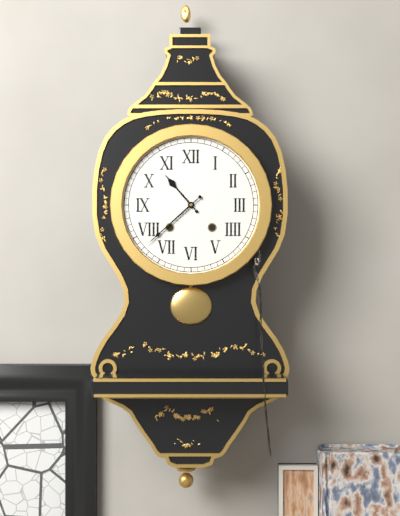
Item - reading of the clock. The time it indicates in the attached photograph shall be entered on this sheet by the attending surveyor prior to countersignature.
10:38
